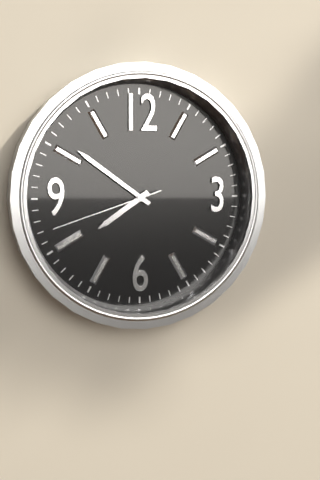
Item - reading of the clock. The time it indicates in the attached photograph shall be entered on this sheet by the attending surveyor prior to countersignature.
7:51:42
